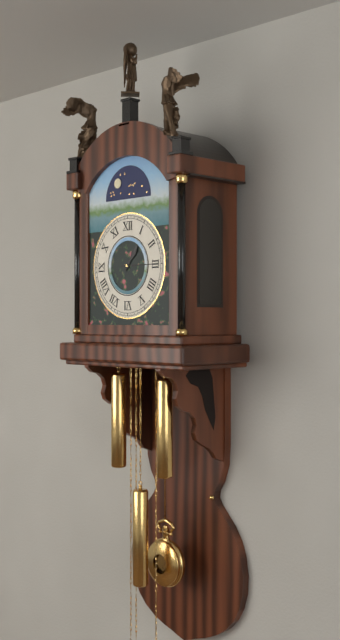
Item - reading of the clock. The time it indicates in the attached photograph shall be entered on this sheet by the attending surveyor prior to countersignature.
1:15
